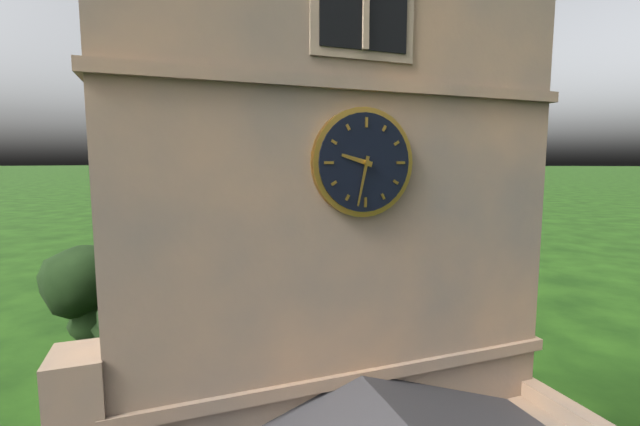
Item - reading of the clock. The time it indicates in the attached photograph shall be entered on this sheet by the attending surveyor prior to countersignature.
9:32
